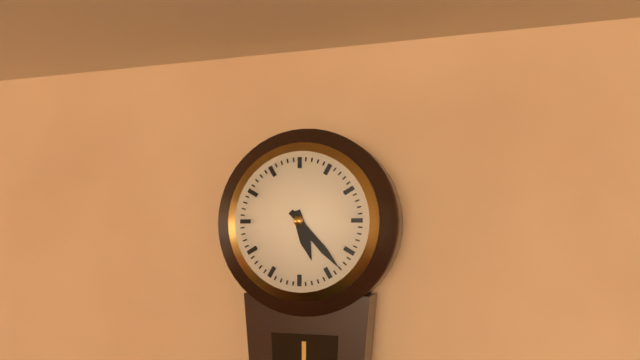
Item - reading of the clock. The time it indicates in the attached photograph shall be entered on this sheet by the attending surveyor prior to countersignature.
5:23
